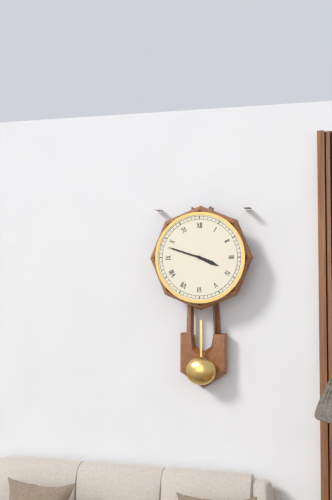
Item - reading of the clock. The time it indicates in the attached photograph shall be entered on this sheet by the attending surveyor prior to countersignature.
3:48
